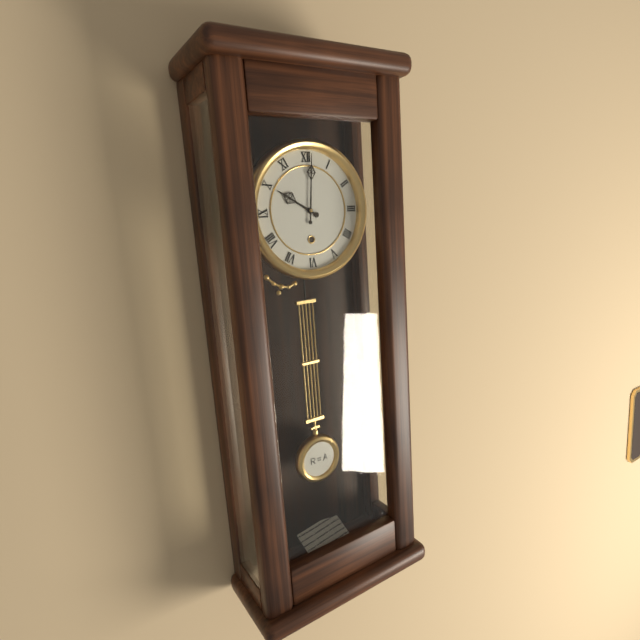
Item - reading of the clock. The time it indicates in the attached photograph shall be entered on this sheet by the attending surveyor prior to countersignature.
10:01
